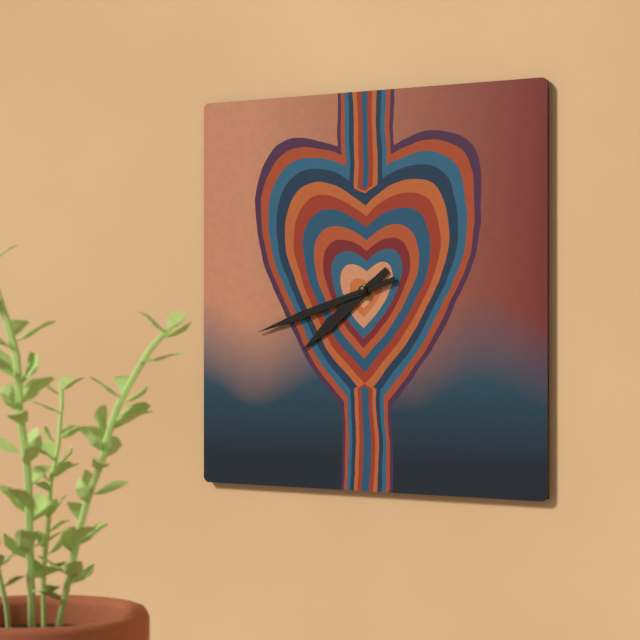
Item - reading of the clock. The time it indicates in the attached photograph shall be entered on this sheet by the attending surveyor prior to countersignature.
7:42
